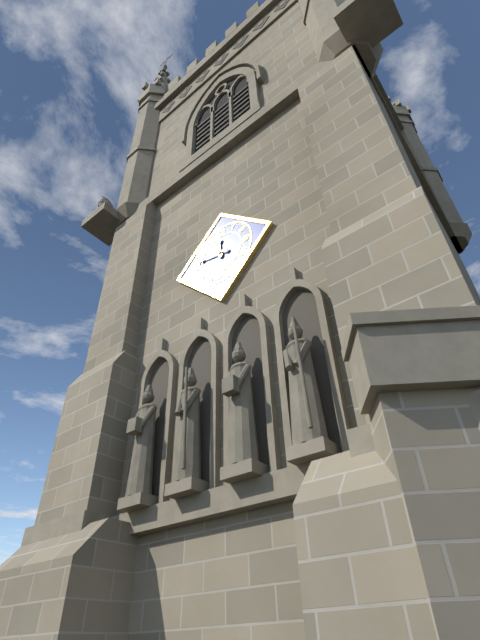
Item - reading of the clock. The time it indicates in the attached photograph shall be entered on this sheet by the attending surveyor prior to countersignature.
11:47
